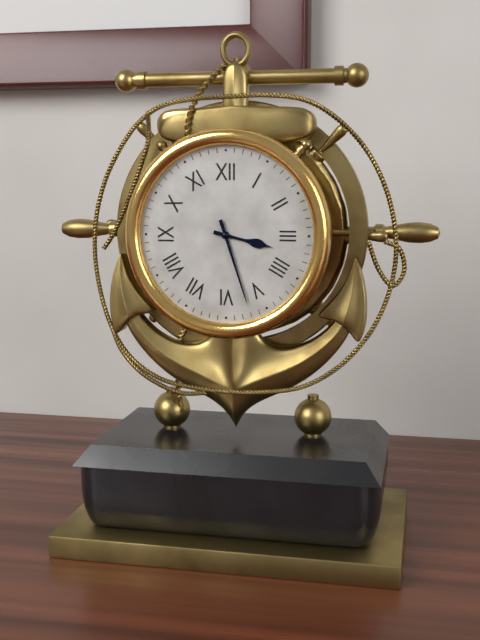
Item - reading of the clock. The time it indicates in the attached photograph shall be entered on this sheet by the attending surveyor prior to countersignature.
3:27
